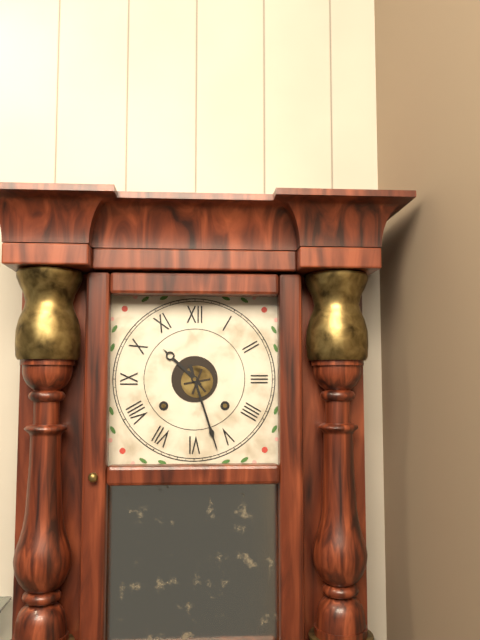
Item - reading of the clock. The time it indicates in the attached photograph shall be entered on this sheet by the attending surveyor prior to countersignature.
10:27
